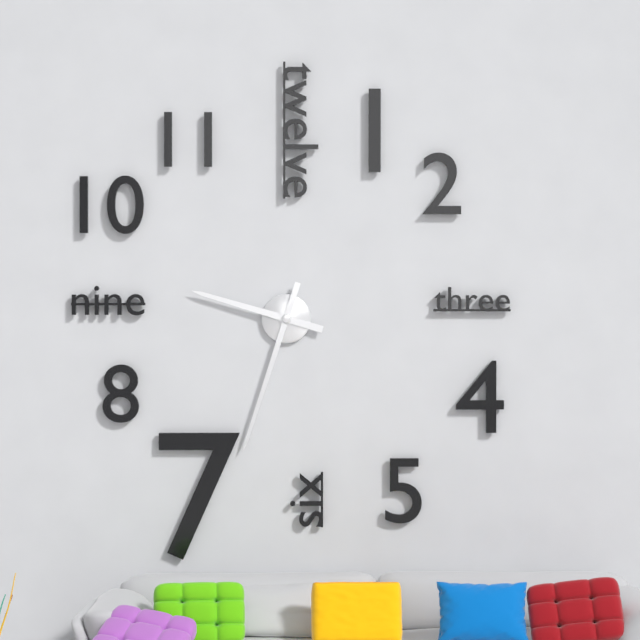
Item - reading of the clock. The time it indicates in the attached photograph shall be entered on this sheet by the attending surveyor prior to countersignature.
9:33
